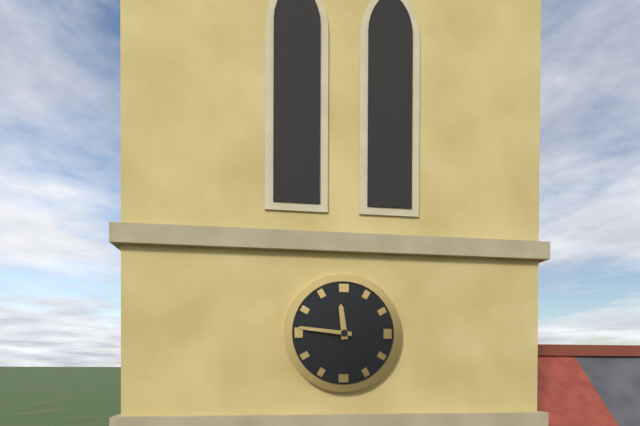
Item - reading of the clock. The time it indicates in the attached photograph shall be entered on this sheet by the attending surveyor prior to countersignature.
11:46
